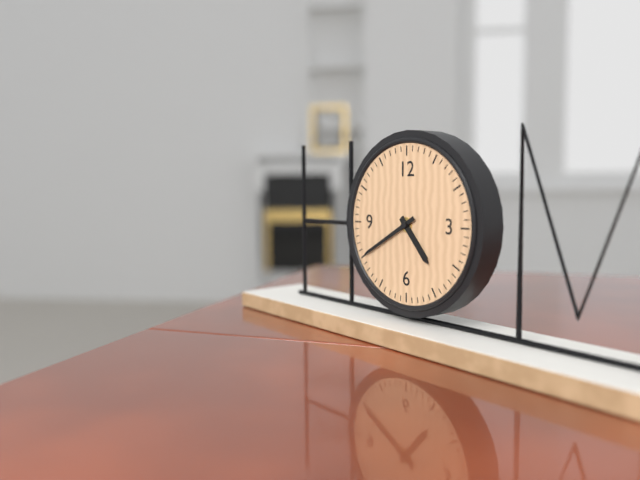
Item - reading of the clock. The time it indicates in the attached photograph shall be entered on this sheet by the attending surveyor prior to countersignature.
4:40
